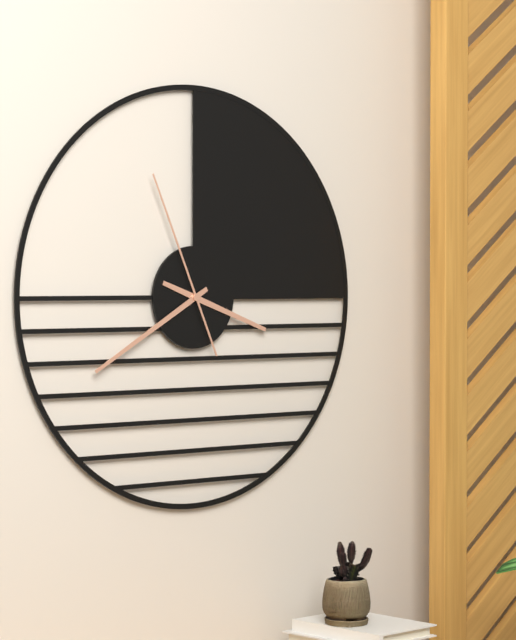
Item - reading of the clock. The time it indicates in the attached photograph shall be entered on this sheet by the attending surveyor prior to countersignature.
3:40:56
